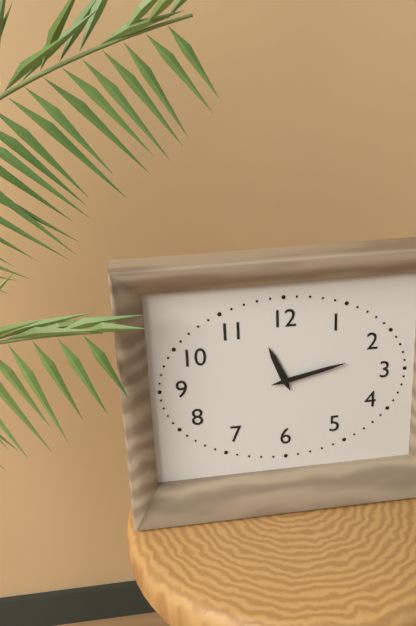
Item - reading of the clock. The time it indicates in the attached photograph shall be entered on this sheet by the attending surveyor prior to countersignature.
11:13
